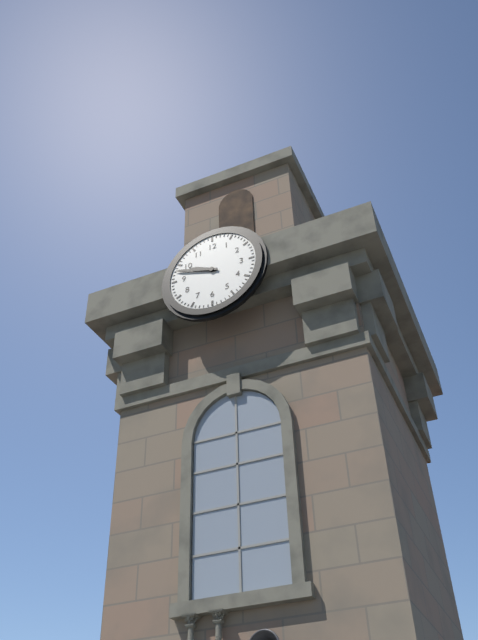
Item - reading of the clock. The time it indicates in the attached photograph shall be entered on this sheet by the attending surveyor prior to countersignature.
9:48
